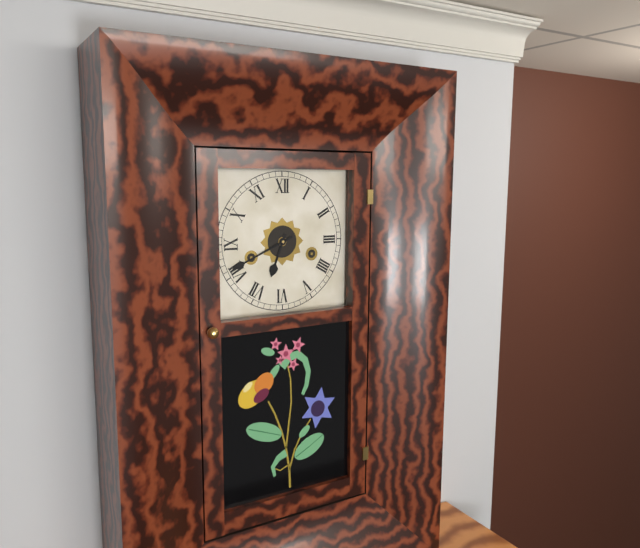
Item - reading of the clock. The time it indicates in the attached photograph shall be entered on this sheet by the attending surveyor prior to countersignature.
6:41
